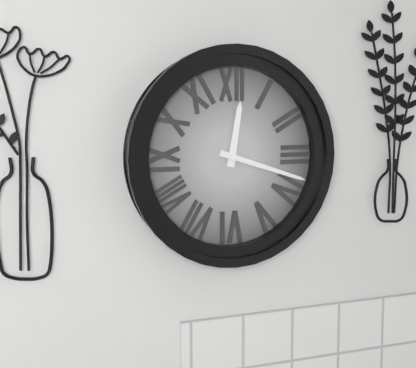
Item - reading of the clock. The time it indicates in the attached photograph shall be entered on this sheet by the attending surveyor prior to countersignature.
12:18
